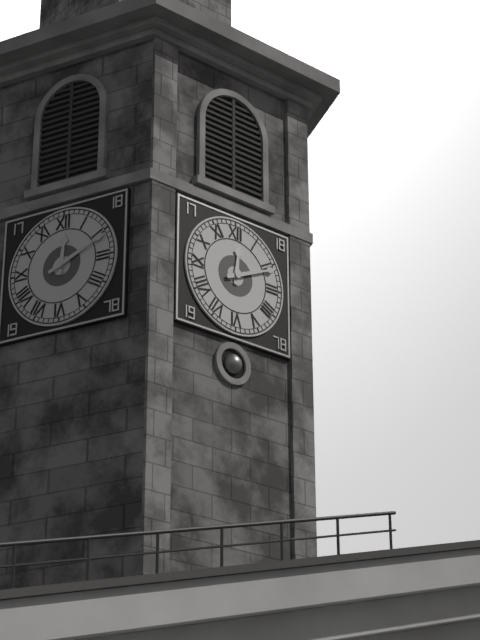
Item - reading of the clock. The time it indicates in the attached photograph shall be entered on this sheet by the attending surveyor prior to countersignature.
12:11
